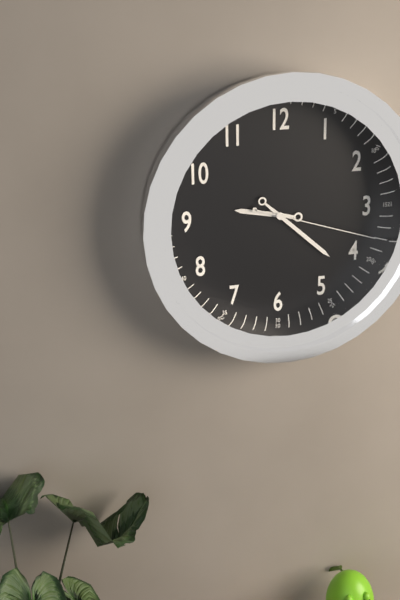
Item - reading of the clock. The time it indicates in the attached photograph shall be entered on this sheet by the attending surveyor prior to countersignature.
9:22:18
